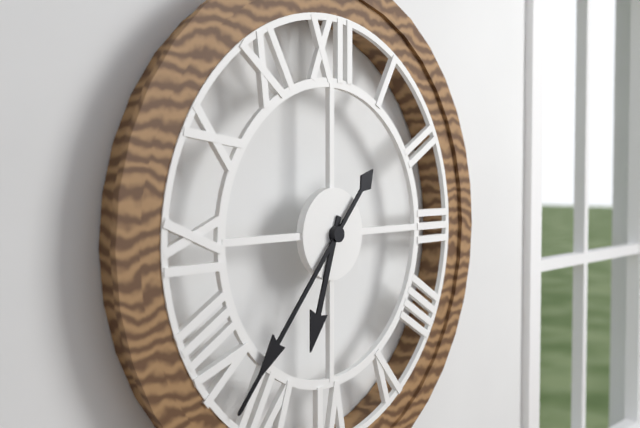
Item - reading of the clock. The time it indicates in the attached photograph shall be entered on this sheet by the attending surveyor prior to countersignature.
6:37
